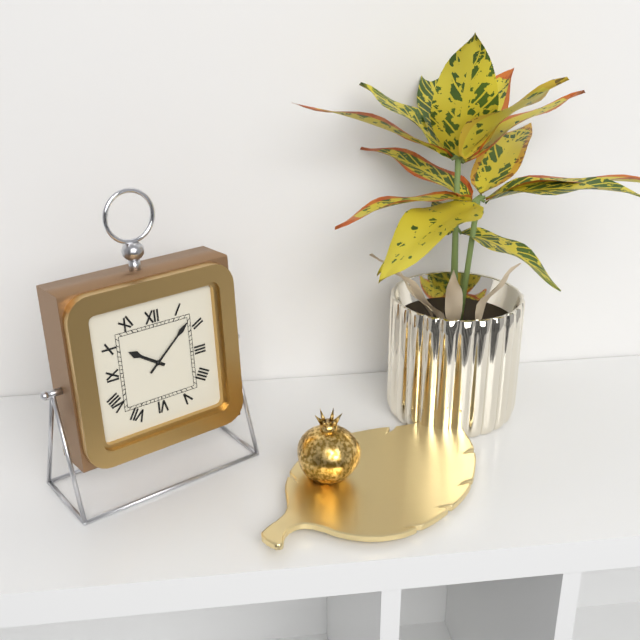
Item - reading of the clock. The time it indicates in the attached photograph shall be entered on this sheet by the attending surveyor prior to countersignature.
10:08
